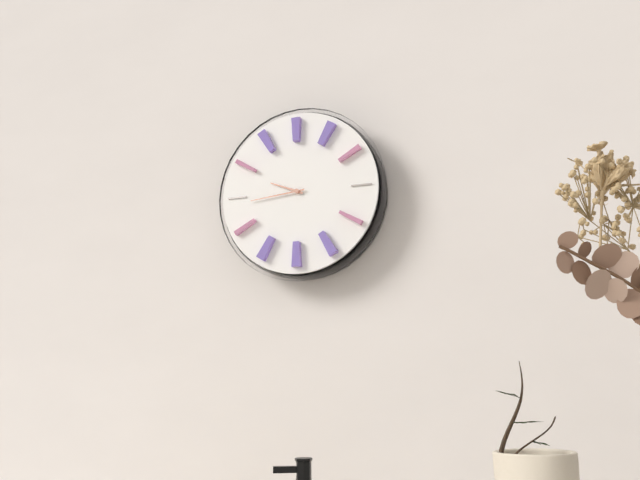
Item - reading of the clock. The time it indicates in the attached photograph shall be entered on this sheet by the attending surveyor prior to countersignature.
9:44
